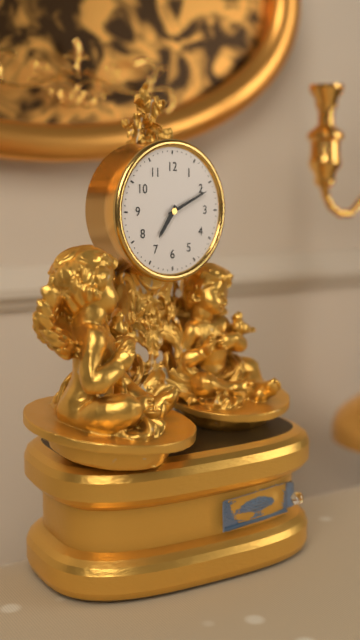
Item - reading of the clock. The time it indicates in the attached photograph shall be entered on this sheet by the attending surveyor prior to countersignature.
7:11
